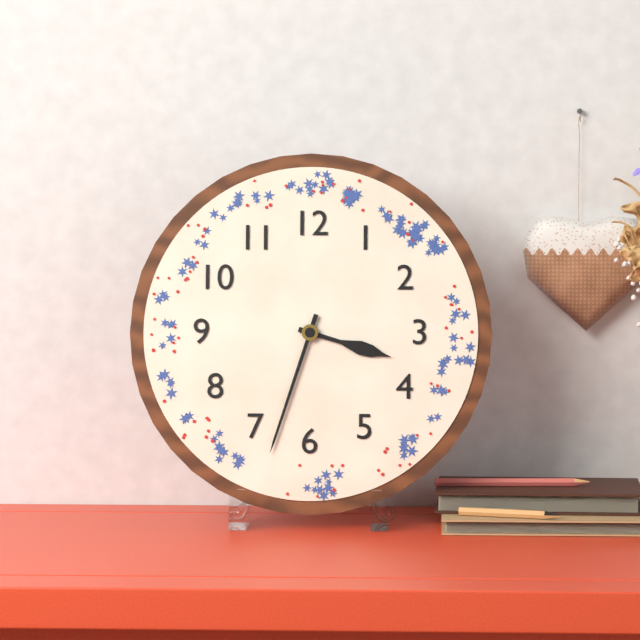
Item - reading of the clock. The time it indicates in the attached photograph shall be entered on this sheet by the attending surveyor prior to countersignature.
3:33
